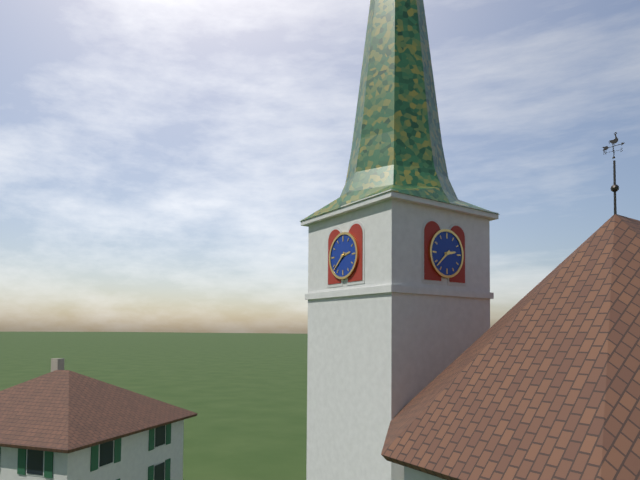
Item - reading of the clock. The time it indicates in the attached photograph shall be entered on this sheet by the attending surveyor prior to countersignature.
2:38
